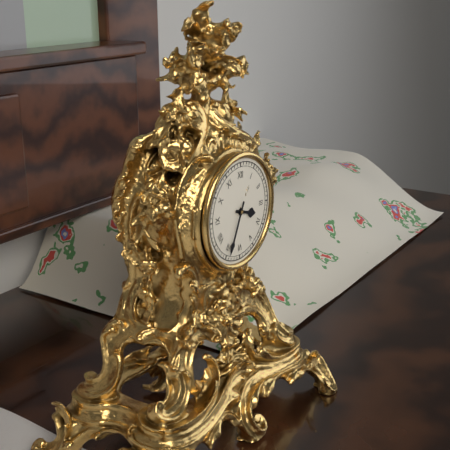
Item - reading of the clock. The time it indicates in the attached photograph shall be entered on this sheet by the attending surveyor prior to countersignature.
3:34
